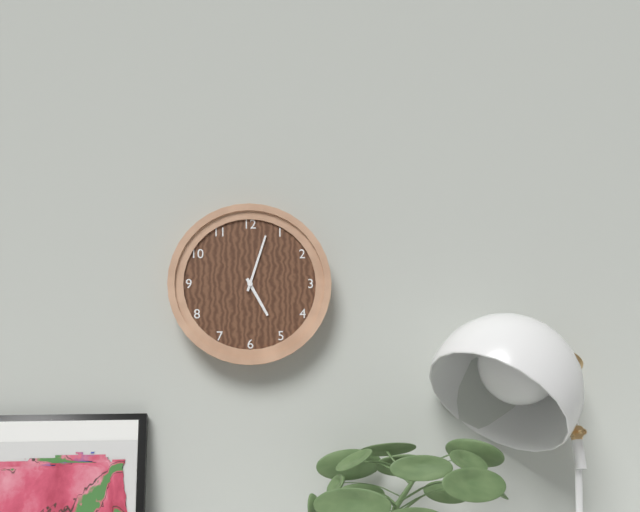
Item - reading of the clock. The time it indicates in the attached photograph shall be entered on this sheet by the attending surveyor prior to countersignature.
5:03
